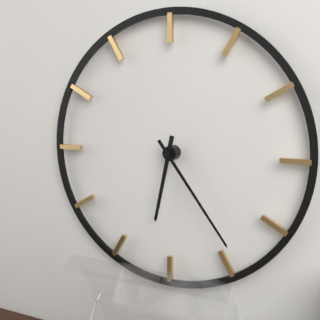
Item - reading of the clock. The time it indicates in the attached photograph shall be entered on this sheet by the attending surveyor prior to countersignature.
6:24
